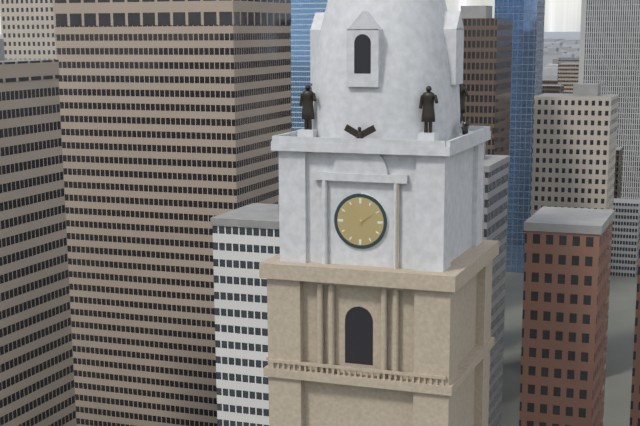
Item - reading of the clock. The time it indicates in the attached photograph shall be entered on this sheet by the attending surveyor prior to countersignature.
1:53
